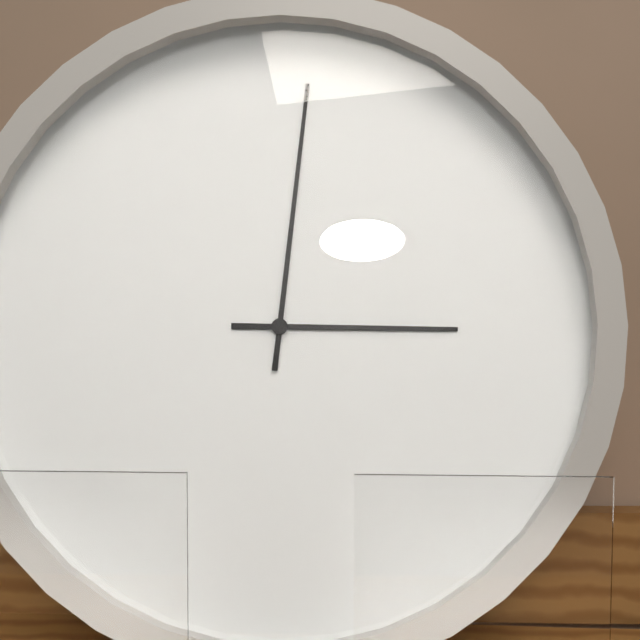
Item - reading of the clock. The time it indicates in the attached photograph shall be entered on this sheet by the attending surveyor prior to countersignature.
3:01
